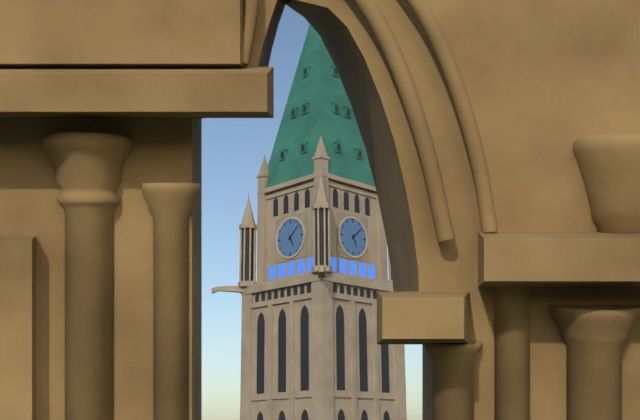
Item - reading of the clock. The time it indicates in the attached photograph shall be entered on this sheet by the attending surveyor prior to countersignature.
5:08
